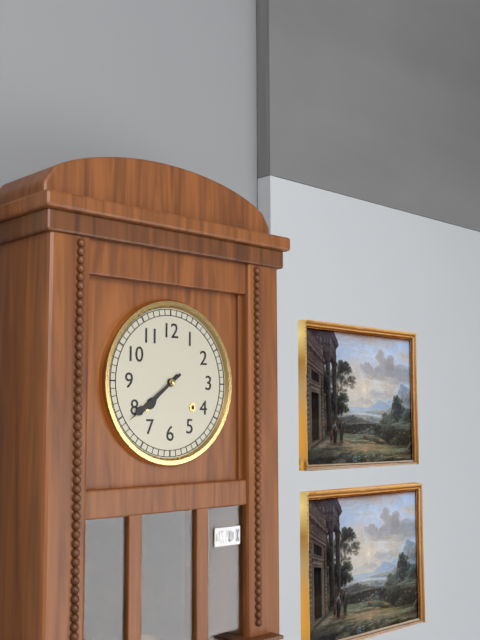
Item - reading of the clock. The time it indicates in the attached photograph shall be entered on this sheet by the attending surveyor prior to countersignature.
7:39
